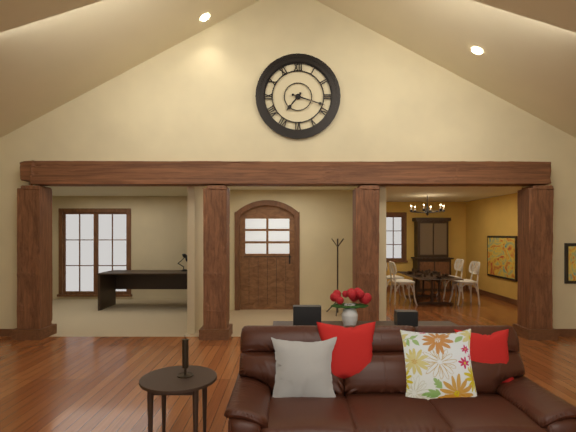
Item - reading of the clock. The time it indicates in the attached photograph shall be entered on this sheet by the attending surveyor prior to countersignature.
7:18
